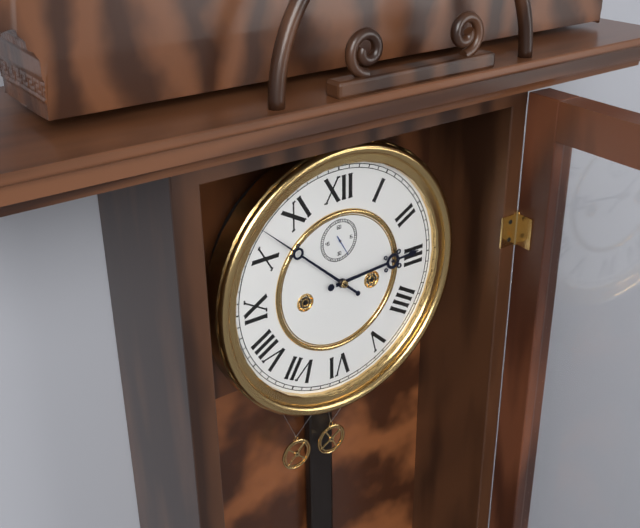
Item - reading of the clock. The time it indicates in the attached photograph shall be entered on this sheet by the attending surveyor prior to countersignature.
2:52
